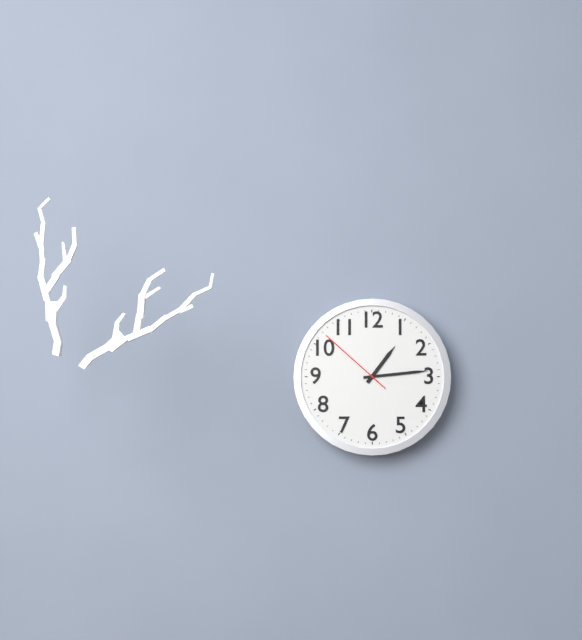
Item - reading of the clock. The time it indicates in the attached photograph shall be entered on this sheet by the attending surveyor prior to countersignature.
1:14:52
